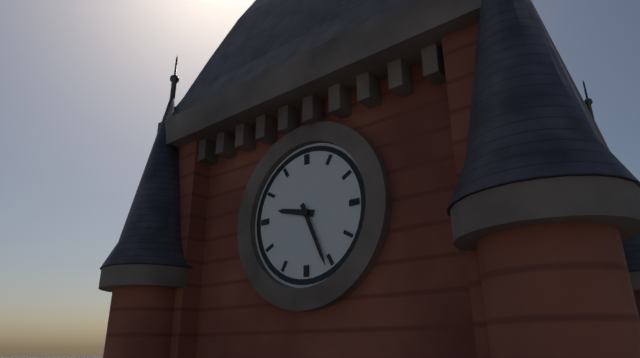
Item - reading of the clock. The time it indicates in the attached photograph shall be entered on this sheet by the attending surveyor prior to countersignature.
9:26
